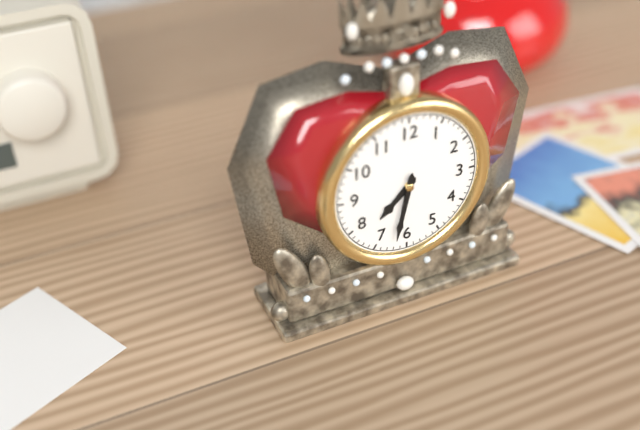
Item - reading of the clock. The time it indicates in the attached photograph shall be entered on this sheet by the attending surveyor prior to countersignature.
7:32
